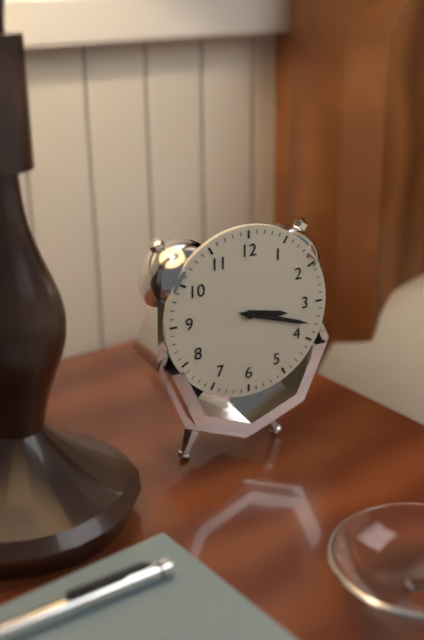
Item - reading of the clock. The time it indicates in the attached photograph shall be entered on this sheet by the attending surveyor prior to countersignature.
3:18
